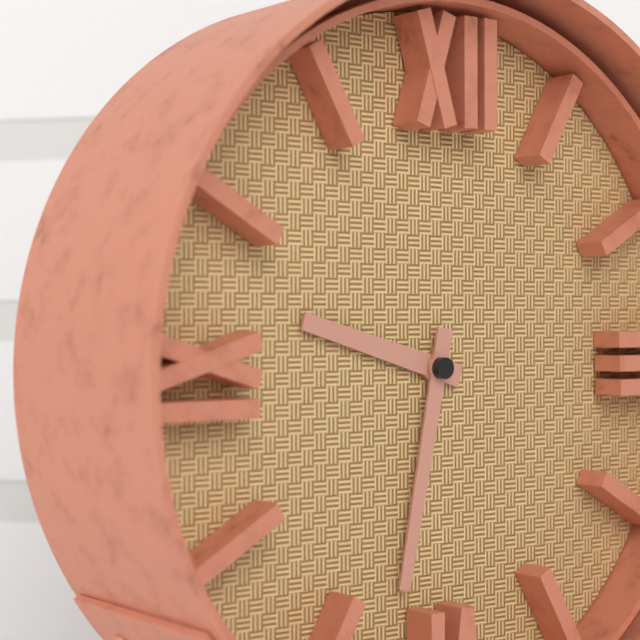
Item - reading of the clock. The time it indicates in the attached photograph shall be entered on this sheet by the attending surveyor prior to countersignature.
9:32
